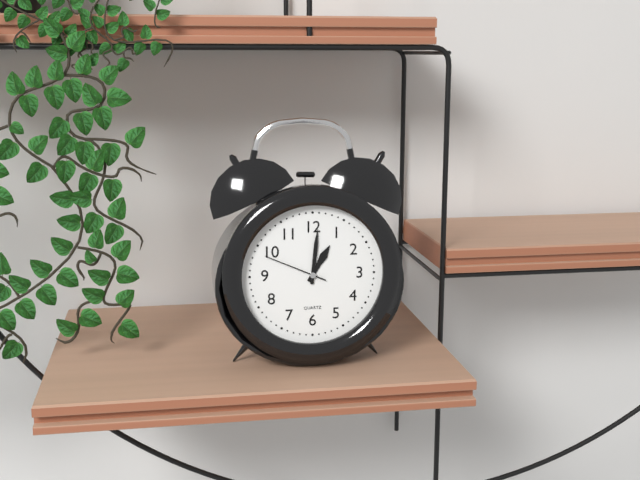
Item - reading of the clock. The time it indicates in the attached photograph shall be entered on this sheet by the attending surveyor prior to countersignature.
1:01:49
